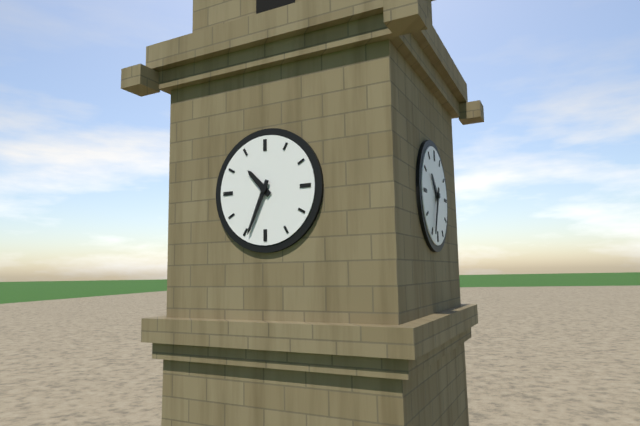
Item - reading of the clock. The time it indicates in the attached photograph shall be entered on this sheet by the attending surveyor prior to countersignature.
10:34
